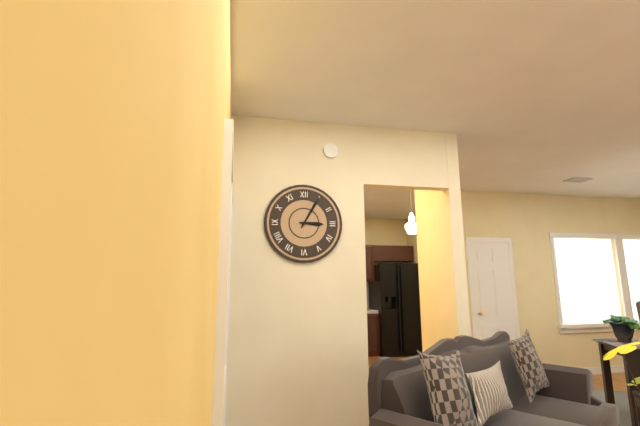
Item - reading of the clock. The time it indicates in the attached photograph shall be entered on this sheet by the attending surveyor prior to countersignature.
3:05
